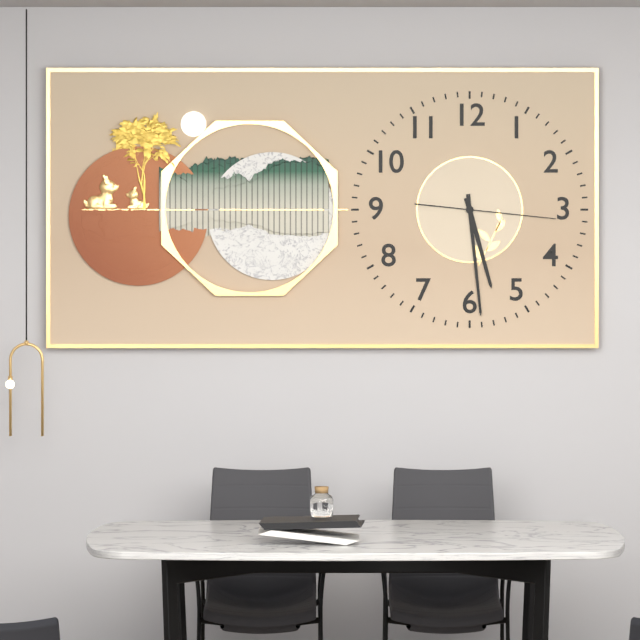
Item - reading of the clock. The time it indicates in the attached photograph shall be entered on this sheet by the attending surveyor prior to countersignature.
5:29:16
